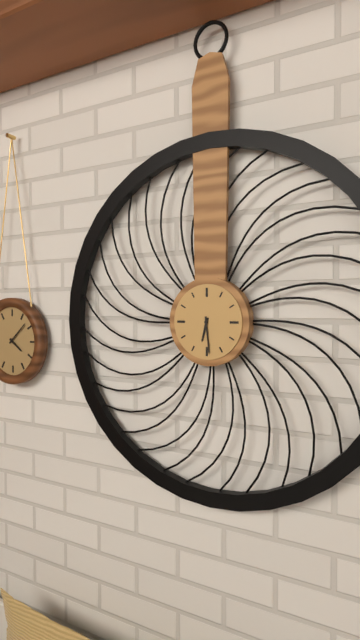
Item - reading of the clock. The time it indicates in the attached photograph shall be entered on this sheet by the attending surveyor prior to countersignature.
6:29
